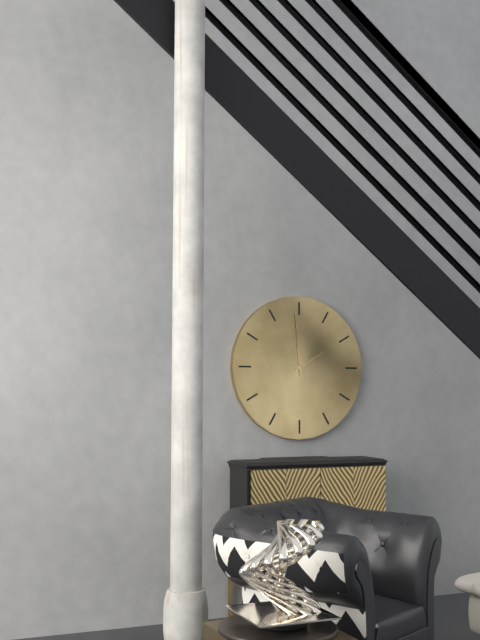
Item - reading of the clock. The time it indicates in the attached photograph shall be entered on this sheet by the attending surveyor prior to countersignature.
1:59
